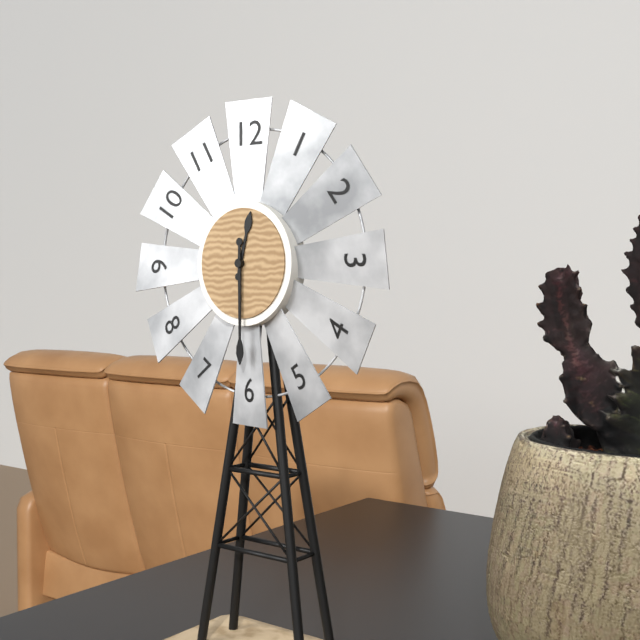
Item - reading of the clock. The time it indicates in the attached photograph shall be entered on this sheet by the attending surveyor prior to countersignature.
12:30
